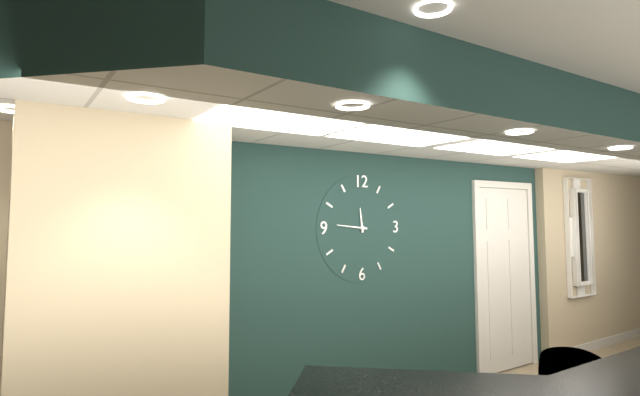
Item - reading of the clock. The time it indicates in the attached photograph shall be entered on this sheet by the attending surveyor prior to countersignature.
11:46
